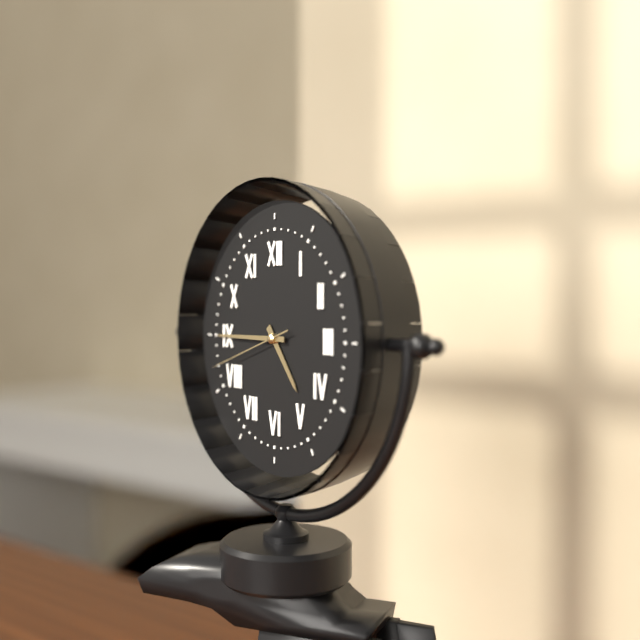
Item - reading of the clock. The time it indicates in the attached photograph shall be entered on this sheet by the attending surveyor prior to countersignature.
4:45:42
